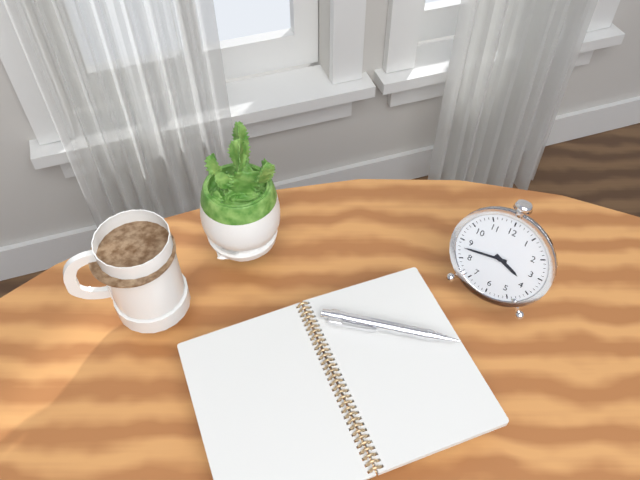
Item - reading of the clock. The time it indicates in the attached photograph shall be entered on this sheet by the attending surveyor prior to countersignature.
3:43
